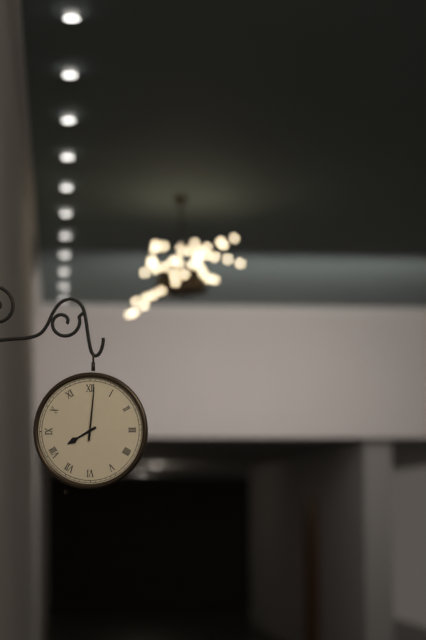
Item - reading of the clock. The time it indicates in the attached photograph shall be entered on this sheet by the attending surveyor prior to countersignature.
8:01
